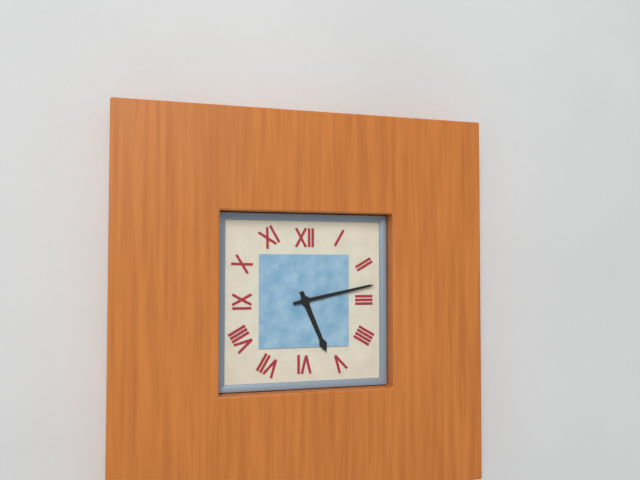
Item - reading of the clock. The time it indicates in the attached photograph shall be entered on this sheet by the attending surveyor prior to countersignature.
5:13
